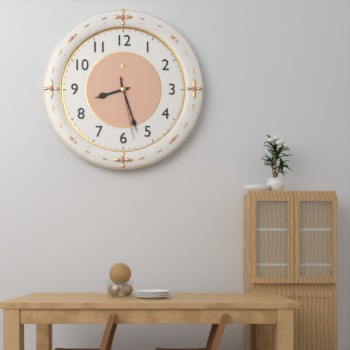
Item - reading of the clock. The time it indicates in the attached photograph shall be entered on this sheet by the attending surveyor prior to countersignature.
8:27:28
